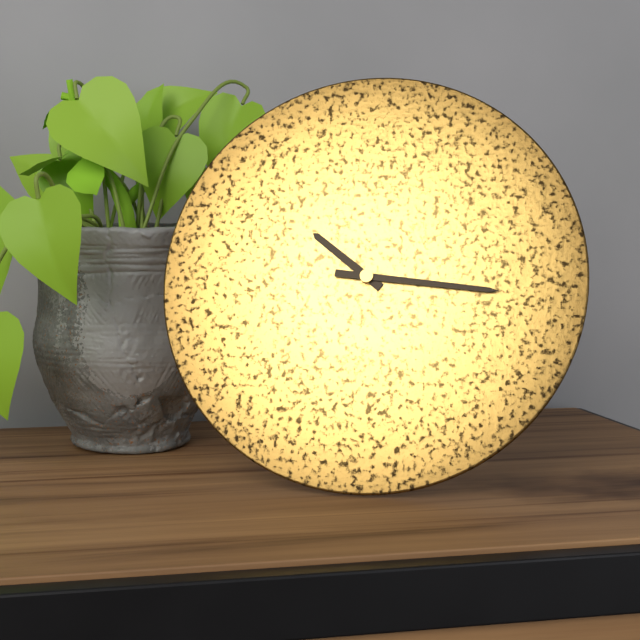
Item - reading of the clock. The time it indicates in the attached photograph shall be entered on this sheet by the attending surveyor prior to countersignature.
10:16
